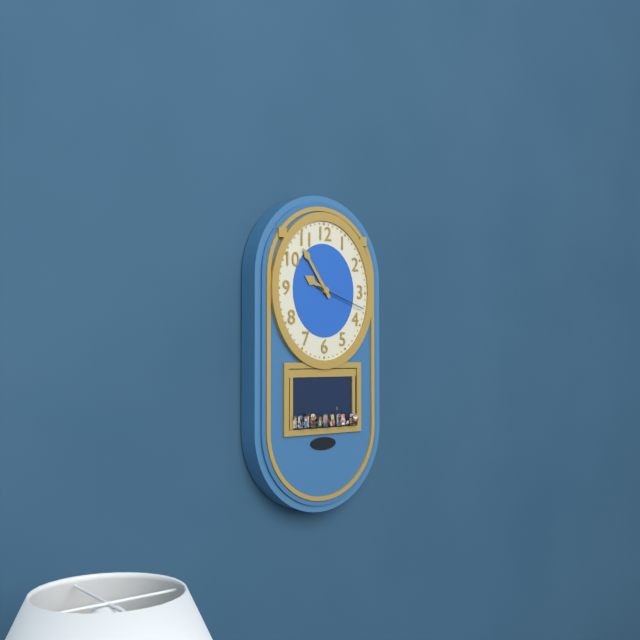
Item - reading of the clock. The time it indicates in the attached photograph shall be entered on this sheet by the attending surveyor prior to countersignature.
9:54:18
